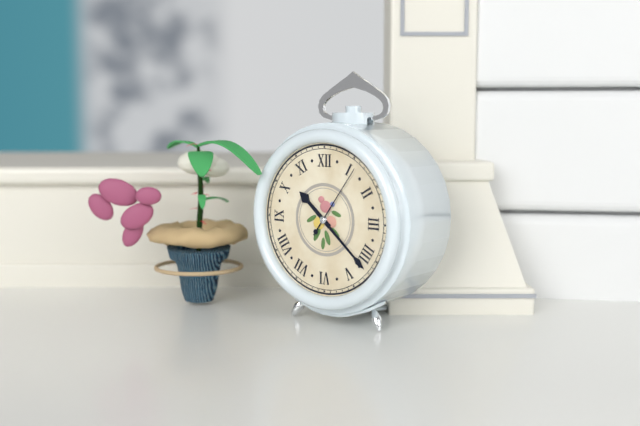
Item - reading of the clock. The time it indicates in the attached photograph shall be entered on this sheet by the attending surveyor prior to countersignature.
10:22:06
